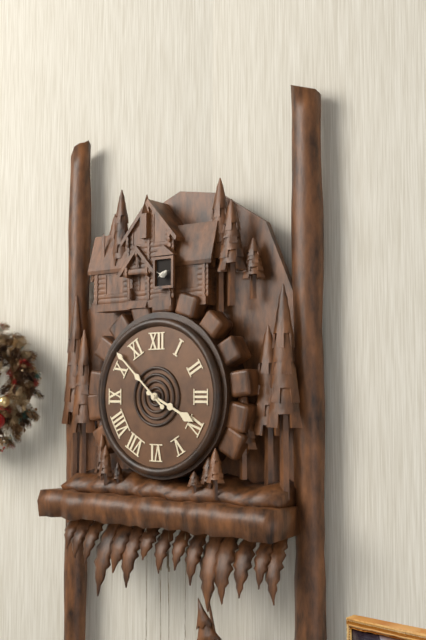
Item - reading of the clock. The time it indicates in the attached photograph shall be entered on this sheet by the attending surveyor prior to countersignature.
3:52
